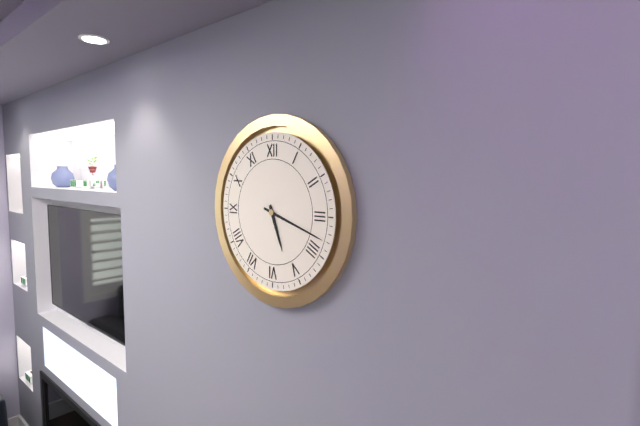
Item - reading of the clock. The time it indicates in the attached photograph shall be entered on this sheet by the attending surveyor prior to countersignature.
5:18
